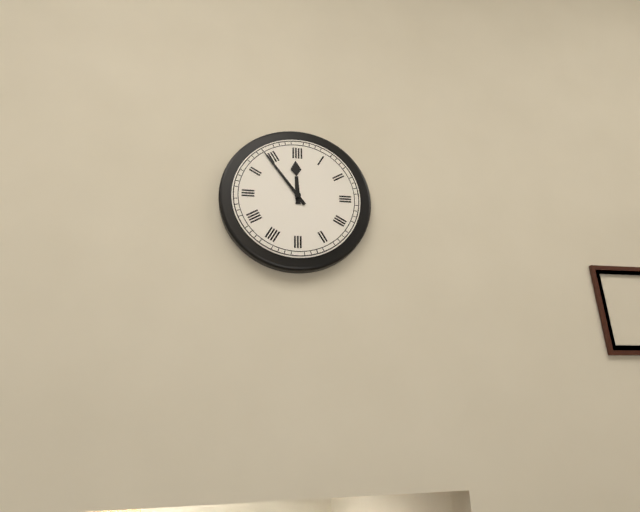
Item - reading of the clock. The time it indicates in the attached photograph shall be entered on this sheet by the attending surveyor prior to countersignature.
11:54
